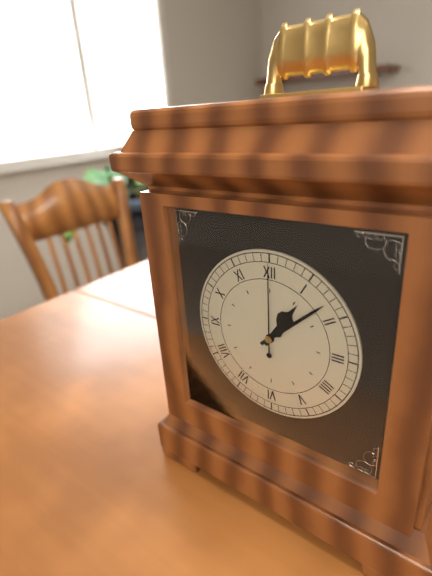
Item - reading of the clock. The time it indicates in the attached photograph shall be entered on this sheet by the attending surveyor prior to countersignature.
1:08:00
